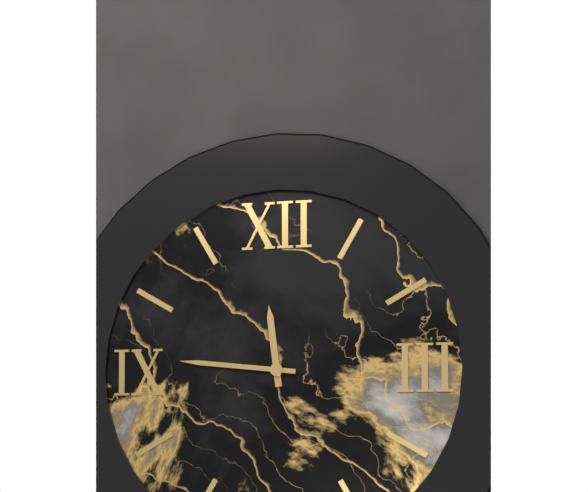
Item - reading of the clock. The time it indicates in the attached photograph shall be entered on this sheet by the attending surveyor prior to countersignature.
11:46
